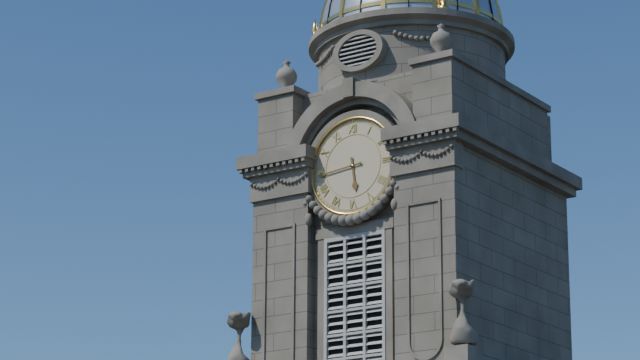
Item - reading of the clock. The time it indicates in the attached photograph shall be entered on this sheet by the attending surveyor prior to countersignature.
5:44
